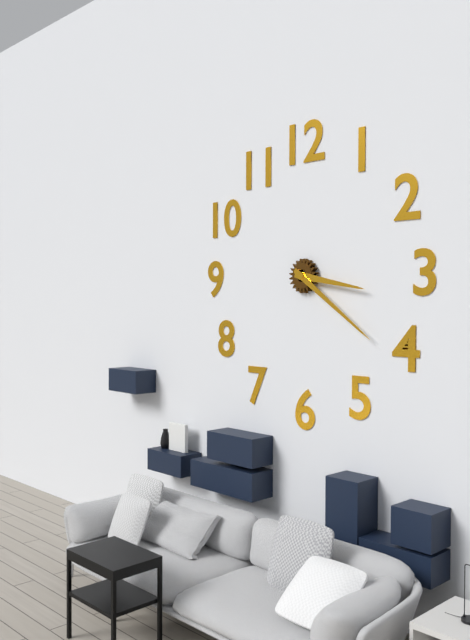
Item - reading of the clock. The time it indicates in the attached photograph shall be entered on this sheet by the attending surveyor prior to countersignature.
3:21
